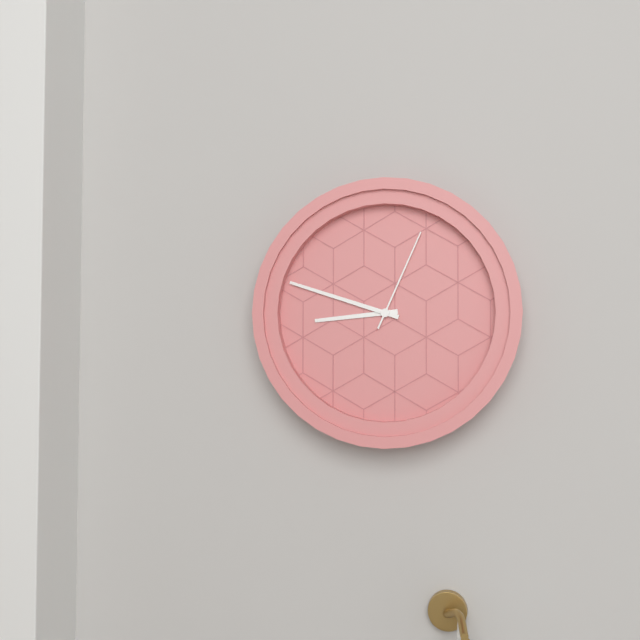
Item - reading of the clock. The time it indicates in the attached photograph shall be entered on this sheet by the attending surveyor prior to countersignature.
8:48:04
